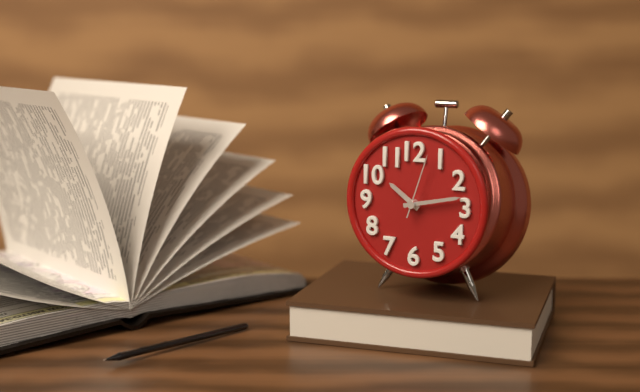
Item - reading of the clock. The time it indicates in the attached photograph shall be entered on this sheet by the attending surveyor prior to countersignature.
10:13:03
